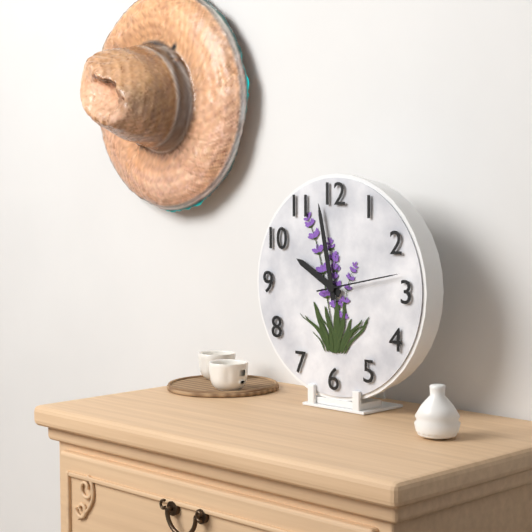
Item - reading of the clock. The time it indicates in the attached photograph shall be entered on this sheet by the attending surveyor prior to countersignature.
9:58:13
